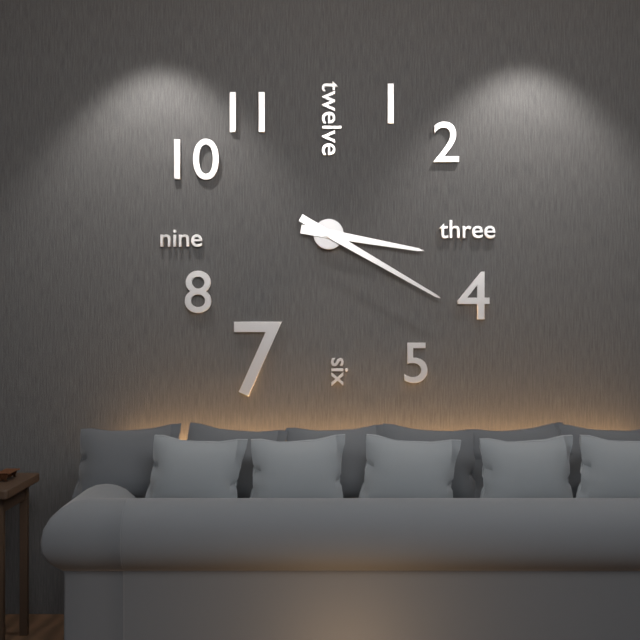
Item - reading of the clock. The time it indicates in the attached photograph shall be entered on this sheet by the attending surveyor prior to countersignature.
3:20
